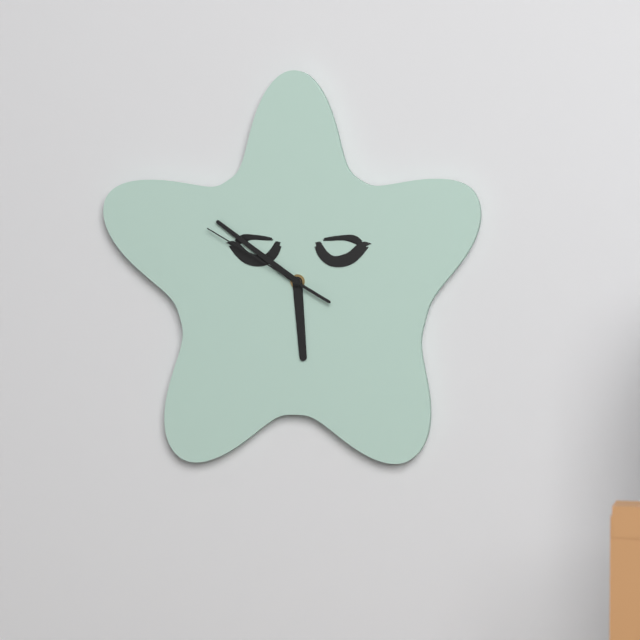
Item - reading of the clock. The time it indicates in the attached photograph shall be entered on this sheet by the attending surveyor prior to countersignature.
5:51:50
